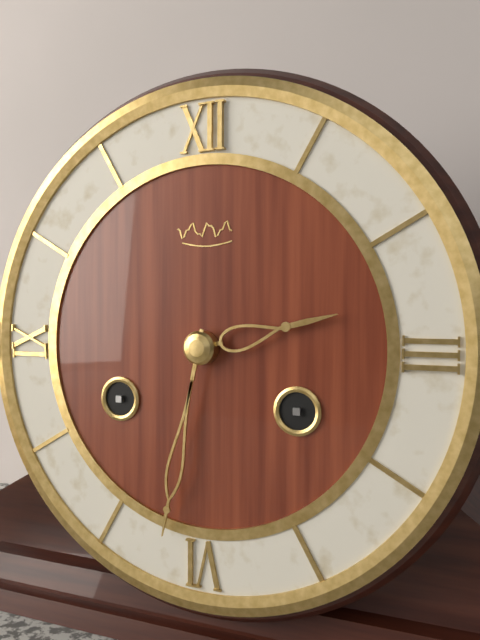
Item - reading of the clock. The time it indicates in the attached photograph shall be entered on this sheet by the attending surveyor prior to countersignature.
2:32
